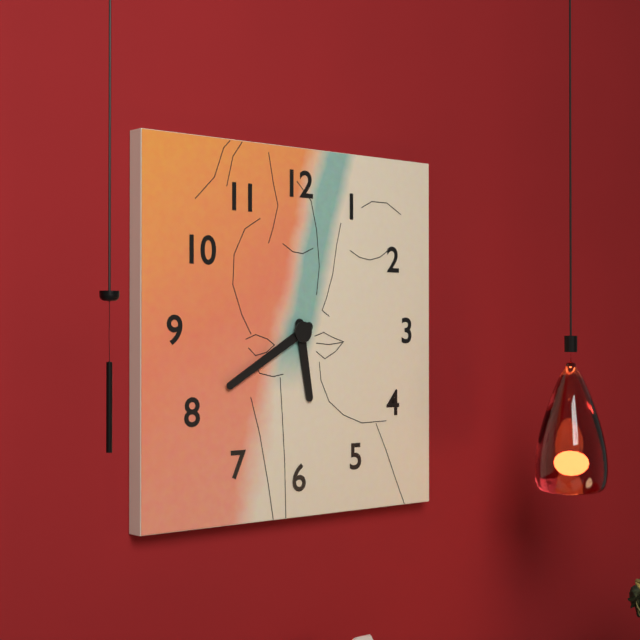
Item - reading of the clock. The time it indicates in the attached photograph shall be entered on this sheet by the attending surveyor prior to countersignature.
5:40
